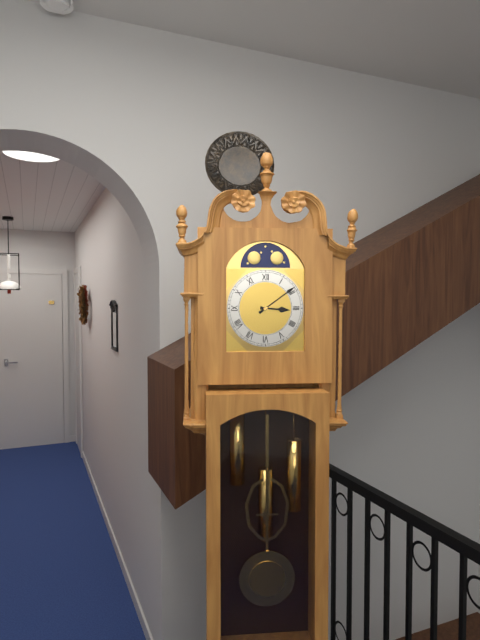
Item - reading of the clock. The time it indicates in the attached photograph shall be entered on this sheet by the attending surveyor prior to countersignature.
3:09
